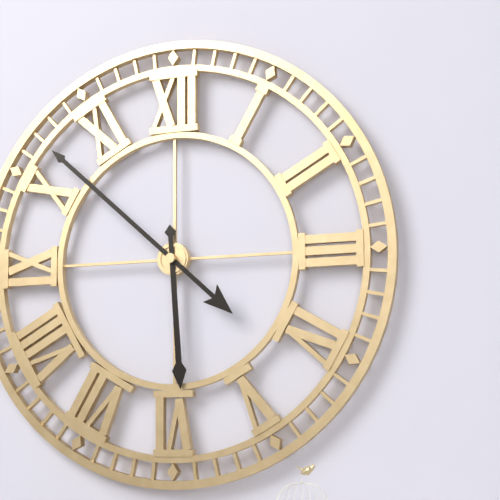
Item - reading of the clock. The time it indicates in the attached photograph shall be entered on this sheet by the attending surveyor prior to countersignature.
5:52
